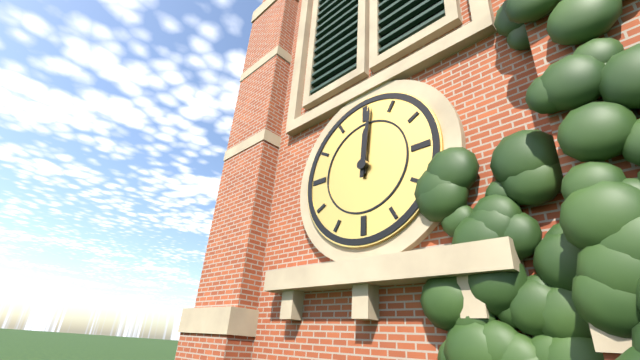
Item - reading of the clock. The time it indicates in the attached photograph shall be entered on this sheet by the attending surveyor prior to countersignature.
12:01
